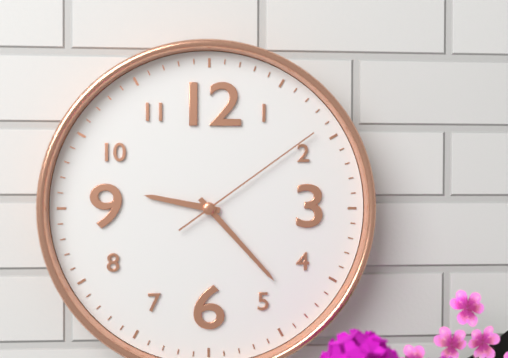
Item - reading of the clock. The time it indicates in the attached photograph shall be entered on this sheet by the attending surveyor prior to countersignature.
9:23:09
